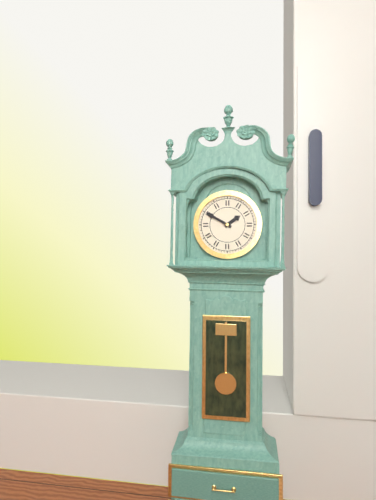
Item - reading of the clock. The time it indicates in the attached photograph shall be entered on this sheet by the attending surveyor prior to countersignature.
1:50
